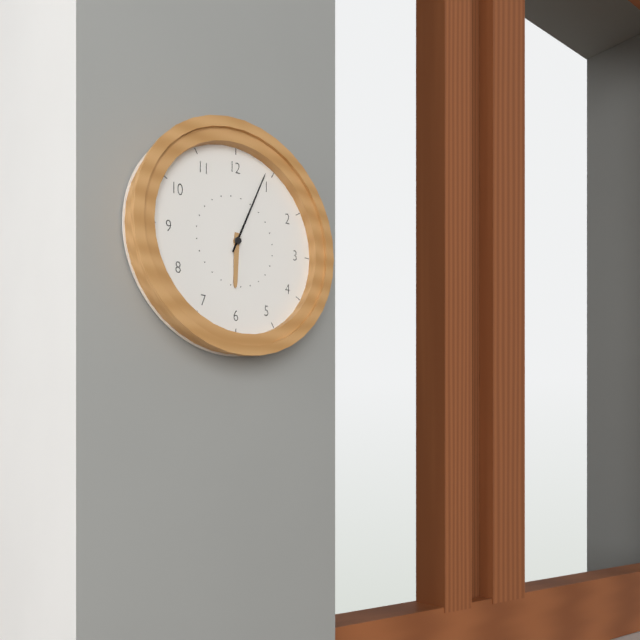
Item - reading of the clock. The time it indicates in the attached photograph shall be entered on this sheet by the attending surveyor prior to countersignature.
6:04
